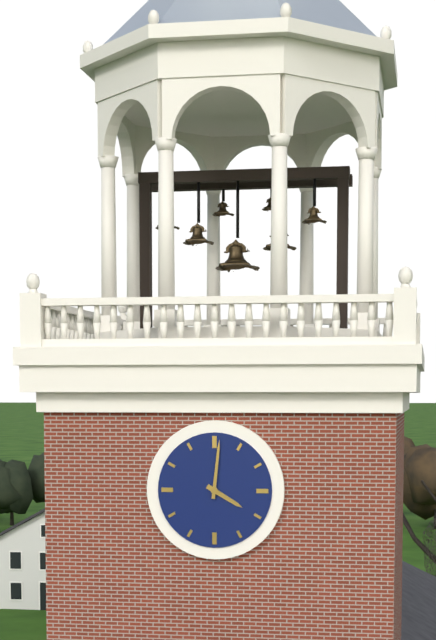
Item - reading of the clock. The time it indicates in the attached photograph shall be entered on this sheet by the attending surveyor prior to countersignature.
4:01
